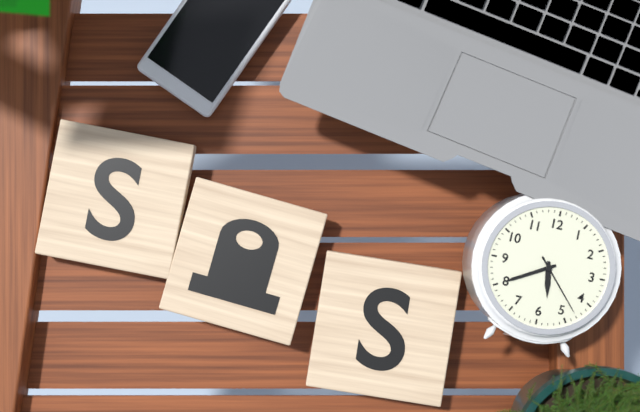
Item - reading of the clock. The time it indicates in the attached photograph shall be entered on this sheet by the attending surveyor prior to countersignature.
5:40:23
